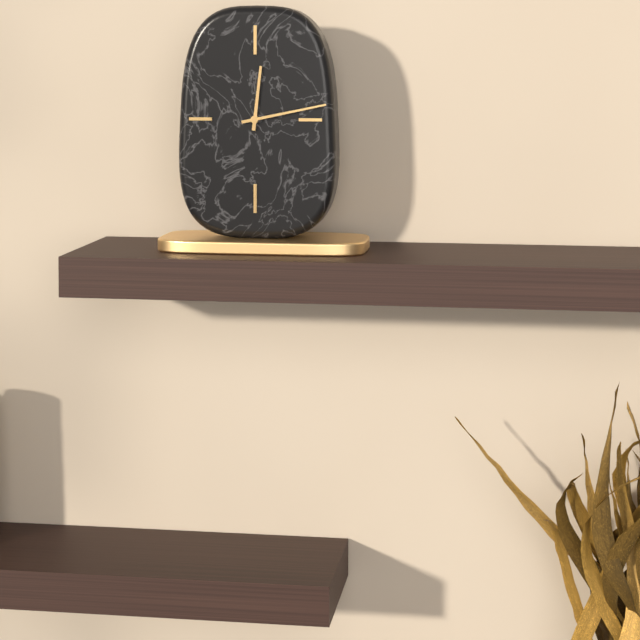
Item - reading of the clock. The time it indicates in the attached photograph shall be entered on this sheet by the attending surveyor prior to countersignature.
12:13
